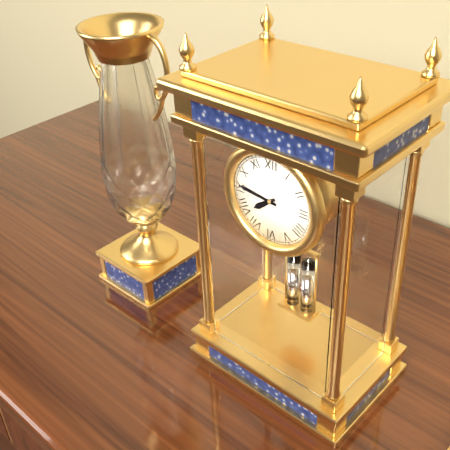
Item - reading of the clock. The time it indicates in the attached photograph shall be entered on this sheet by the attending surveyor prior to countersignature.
7:46
